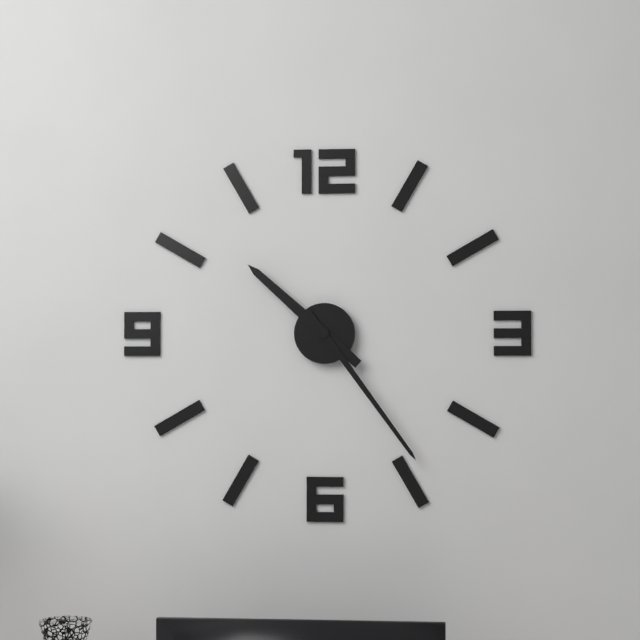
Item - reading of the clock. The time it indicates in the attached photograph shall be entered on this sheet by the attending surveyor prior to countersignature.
10:24
